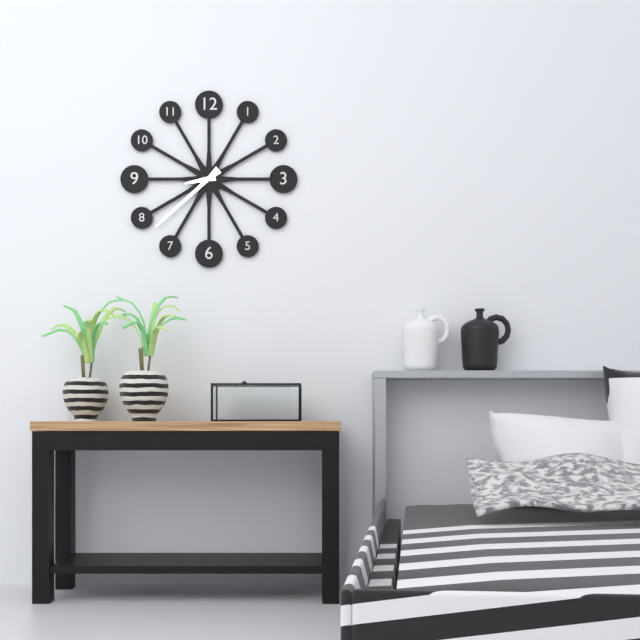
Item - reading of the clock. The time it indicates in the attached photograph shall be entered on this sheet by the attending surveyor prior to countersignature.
8:38
